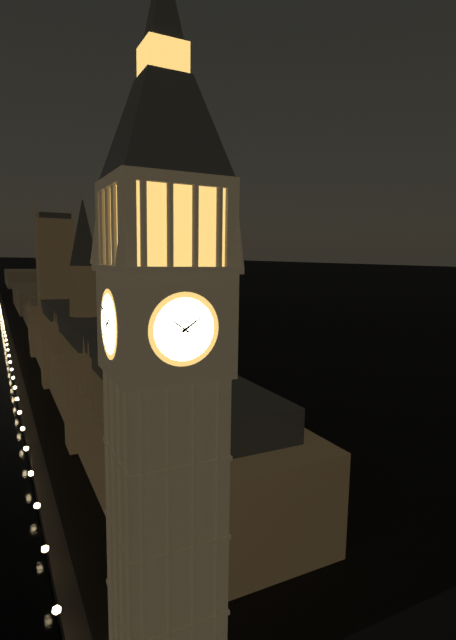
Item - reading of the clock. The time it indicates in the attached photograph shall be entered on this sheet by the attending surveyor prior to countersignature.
1:51
